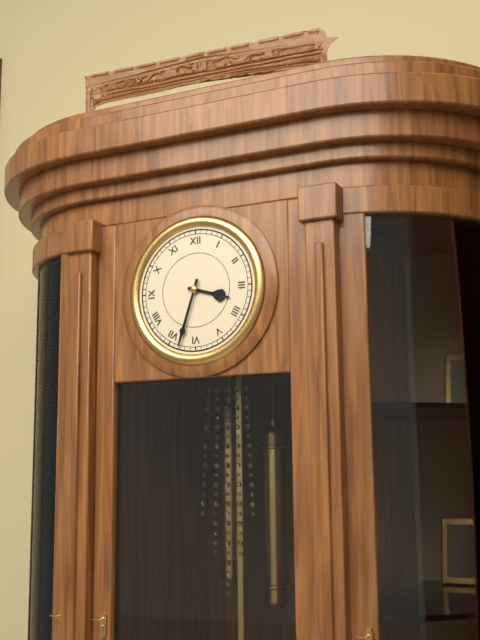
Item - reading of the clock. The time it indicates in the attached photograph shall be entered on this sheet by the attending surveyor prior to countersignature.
3:33
